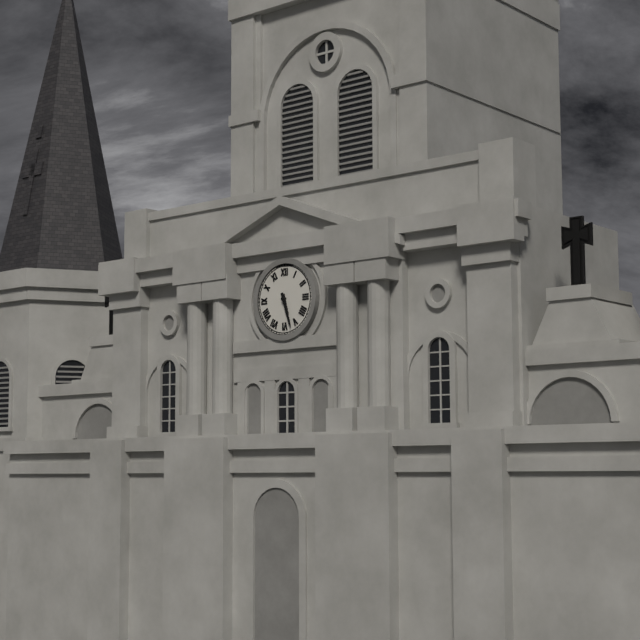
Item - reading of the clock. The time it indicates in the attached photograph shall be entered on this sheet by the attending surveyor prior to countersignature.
5:27
